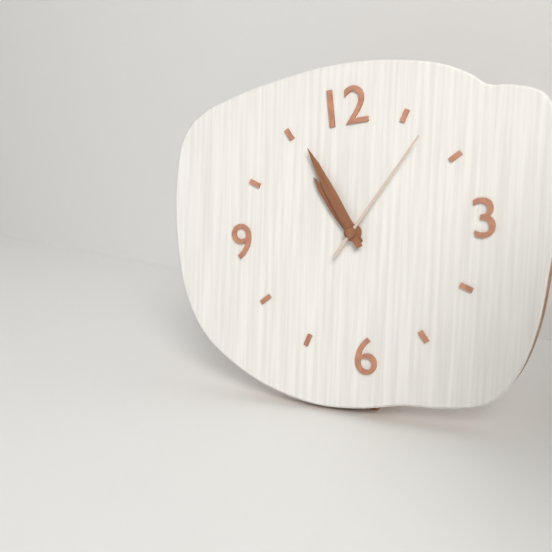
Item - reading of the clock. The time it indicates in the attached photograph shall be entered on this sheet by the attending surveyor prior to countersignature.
10:56:07
